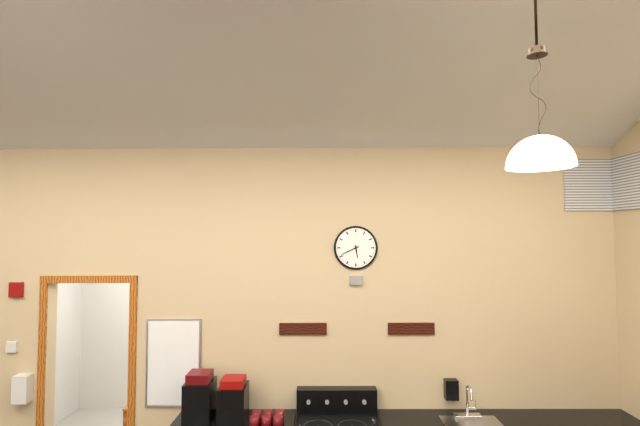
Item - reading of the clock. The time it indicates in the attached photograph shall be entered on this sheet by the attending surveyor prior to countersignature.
5:41
